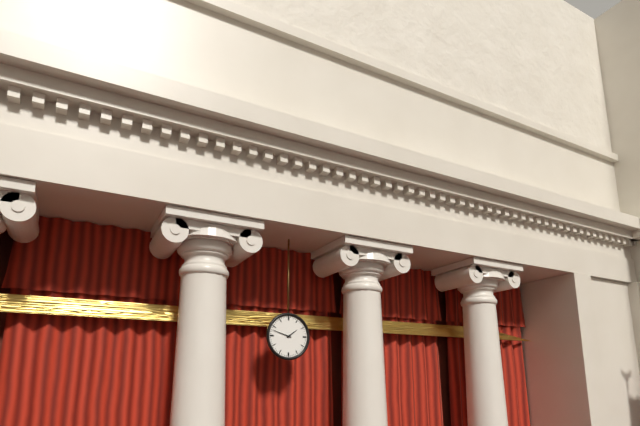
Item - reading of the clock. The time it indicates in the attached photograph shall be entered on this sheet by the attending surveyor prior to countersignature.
1:48
